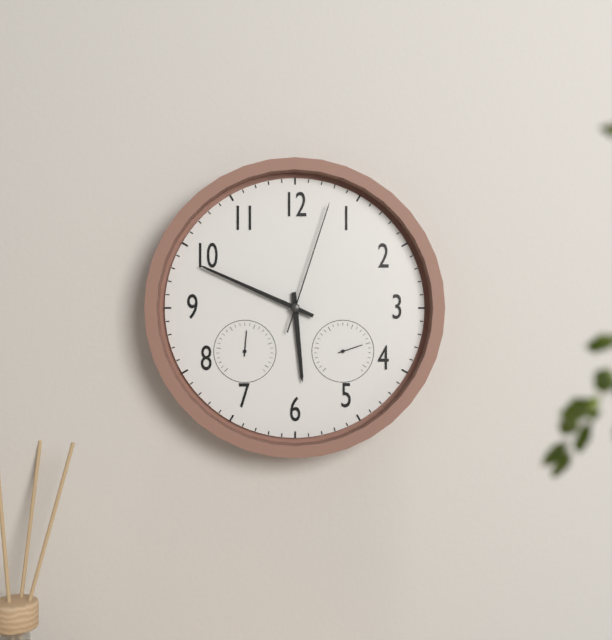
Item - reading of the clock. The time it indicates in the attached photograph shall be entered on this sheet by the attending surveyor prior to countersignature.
5:49:03
